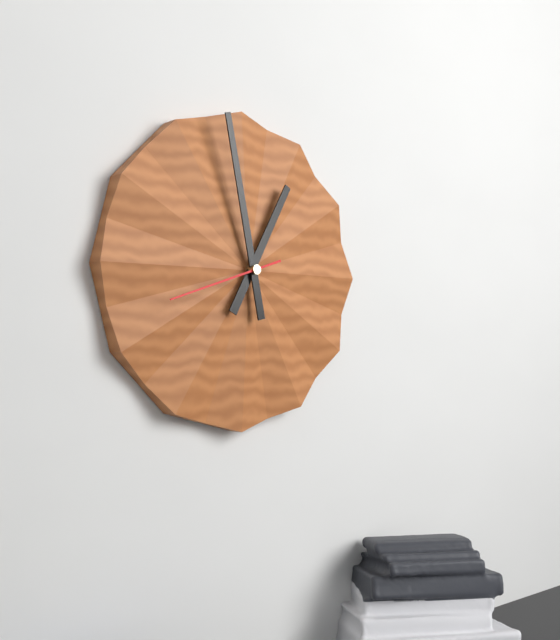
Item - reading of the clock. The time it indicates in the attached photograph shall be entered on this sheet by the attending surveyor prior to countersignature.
12:58:42
